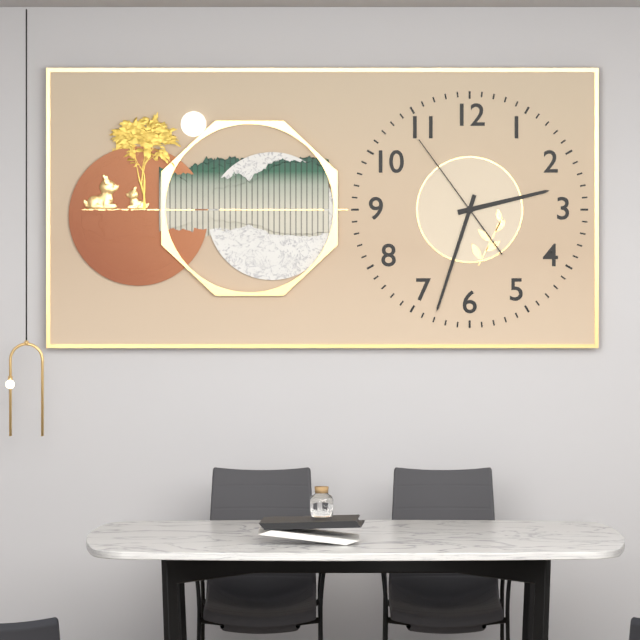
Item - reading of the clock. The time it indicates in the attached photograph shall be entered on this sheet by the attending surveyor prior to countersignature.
2:33:54
